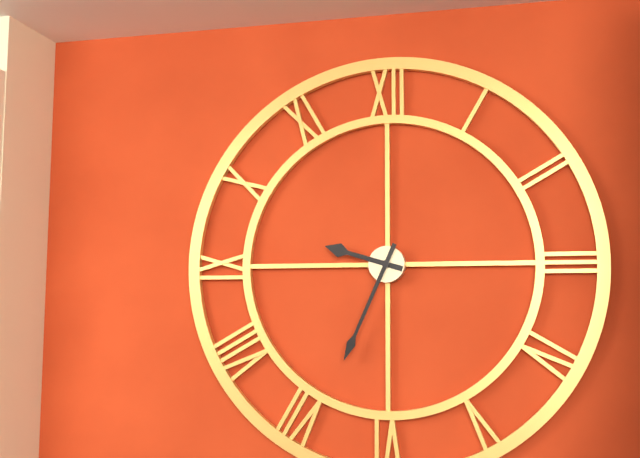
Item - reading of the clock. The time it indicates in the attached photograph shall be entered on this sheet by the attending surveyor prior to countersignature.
9:34
